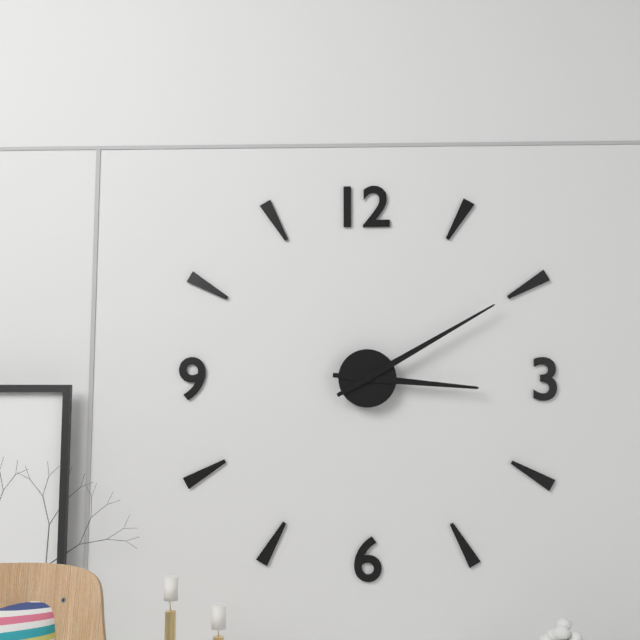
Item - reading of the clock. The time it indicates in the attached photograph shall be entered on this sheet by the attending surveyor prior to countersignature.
3:10
